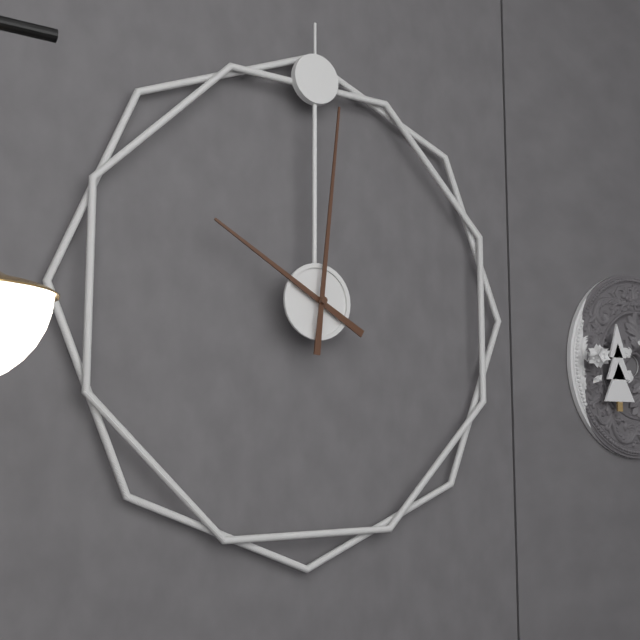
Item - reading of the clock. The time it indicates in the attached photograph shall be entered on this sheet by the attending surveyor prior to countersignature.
10:01
